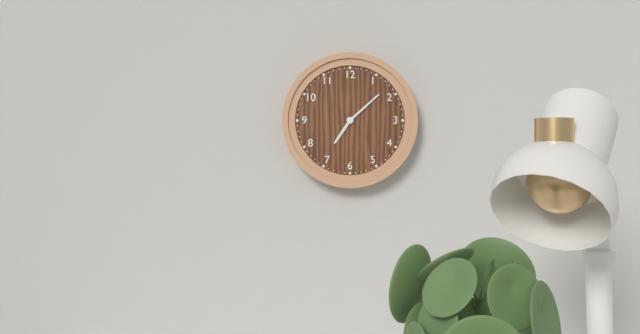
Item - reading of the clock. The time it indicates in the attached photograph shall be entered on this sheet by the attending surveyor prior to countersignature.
7:08
